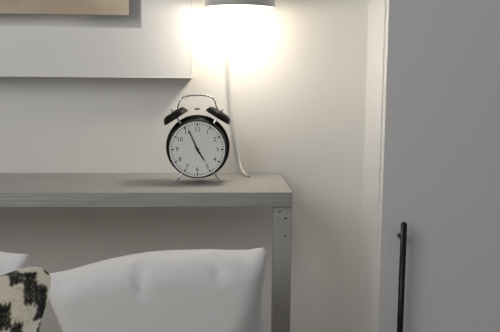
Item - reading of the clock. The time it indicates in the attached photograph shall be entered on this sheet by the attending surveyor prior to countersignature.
4:56
